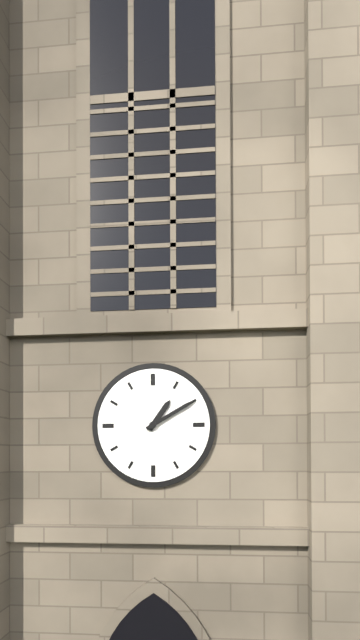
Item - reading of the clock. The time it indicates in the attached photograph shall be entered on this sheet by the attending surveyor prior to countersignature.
1:10
